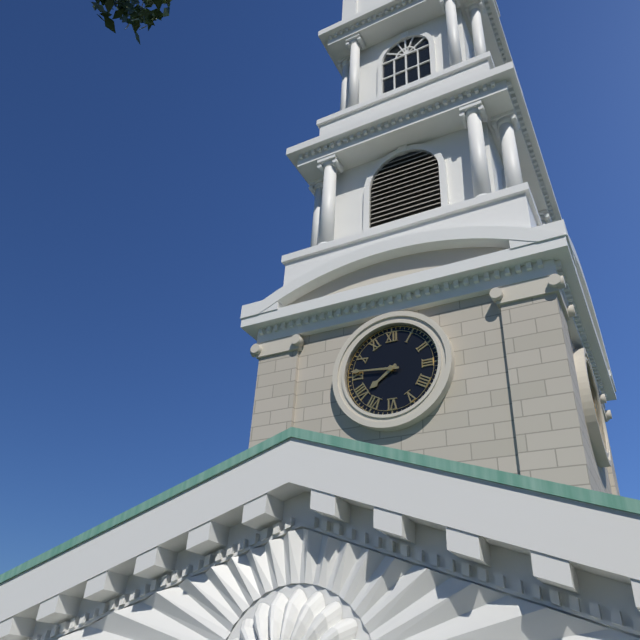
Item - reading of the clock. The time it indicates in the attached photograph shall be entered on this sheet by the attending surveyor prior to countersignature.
7:46
